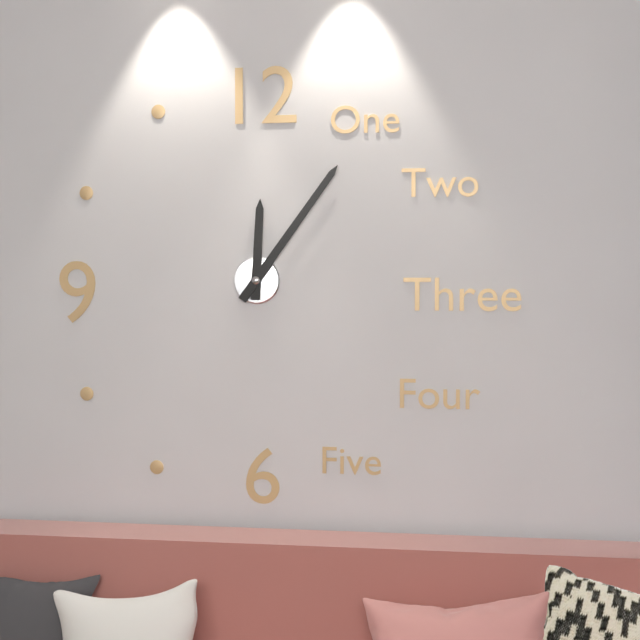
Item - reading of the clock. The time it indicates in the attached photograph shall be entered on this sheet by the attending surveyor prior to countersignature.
12:06
